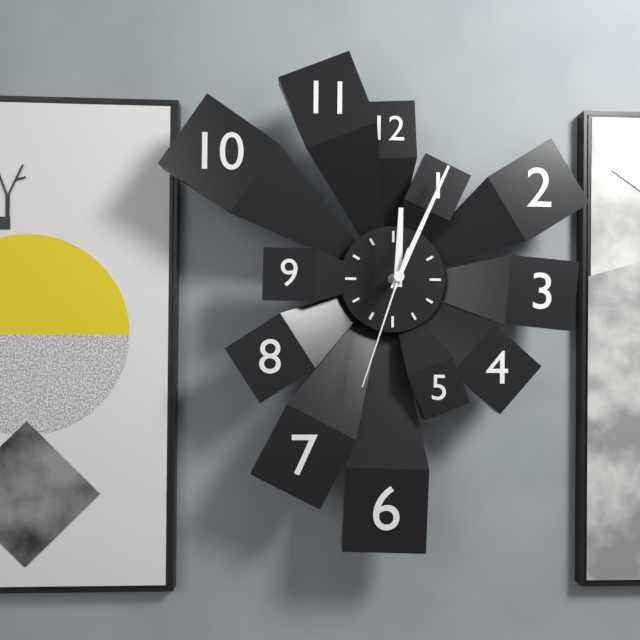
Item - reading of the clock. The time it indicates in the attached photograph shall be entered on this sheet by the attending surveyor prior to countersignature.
12:04:33
